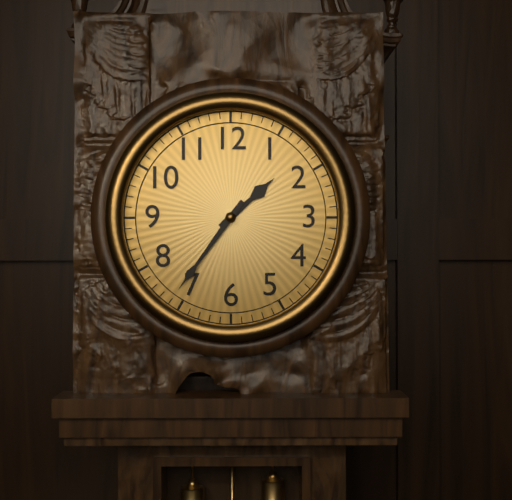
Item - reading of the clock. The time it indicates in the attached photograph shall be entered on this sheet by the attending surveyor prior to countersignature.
1:36
